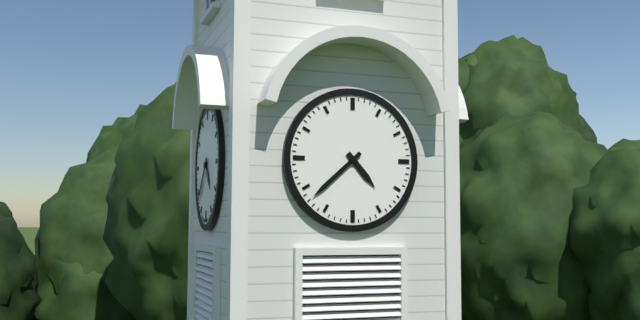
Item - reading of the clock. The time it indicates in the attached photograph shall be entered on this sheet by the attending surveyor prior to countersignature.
4:38
